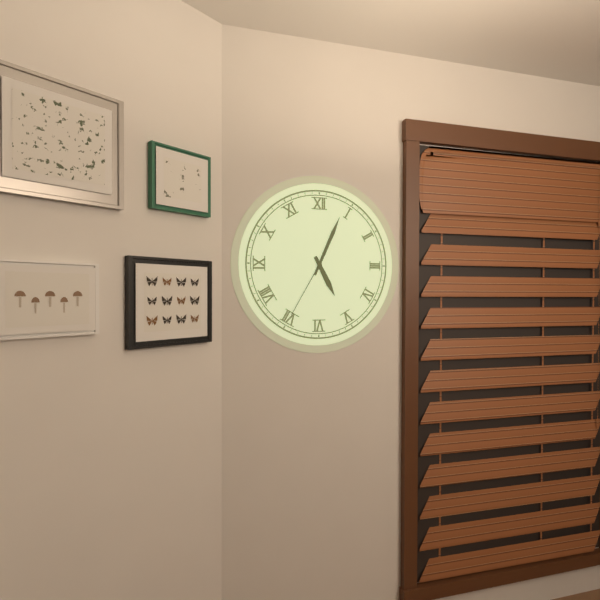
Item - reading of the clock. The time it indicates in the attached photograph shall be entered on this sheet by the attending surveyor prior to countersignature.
5:04:35
